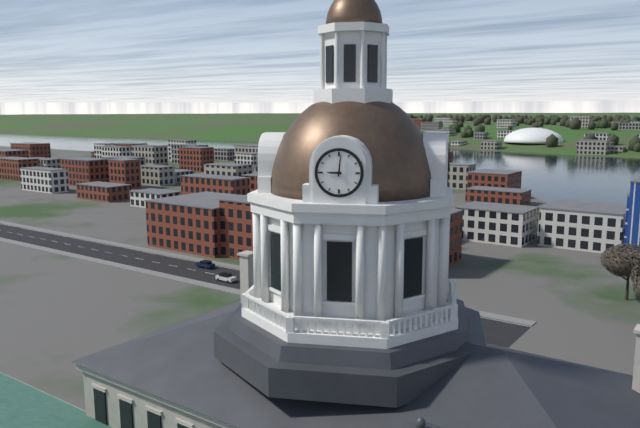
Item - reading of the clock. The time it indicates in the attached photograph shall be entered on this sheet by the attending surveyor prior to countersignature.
9:01
